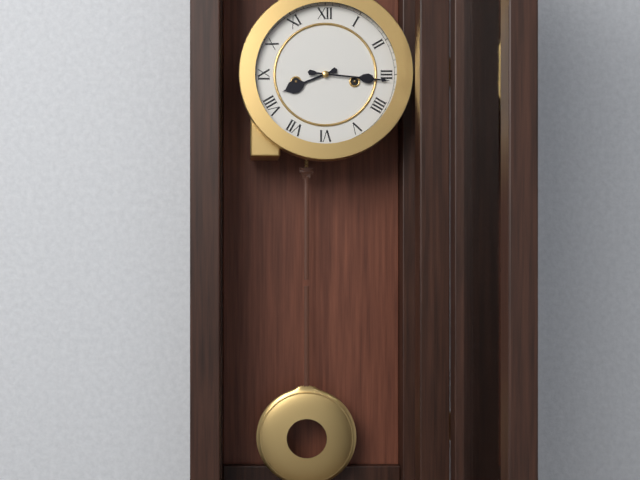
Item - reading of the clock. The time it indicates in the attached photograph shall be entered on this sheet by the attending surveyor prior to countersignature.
8:16
